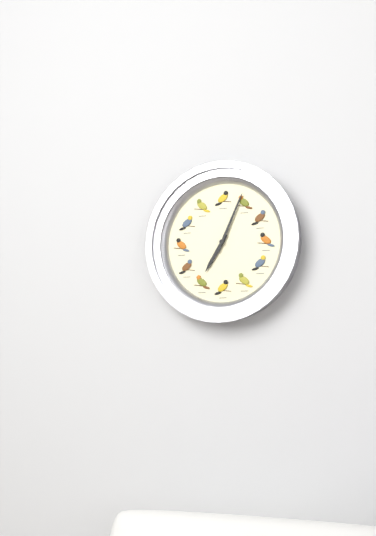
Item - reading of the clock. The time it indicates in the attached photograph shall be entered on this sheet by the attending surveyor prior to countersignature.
7:04
